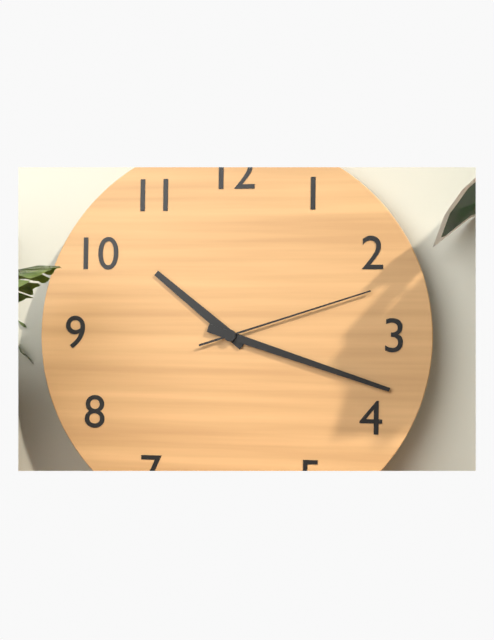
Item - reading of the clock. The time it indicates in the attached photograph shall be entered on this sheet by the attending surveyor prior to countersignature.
10:18:12
